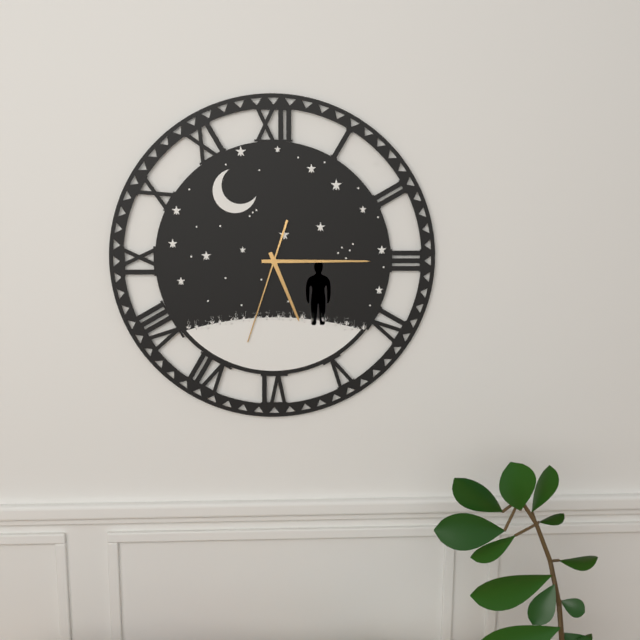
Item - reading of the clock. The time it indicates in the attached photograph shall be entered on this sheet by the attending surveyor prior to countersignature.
5:15:33
